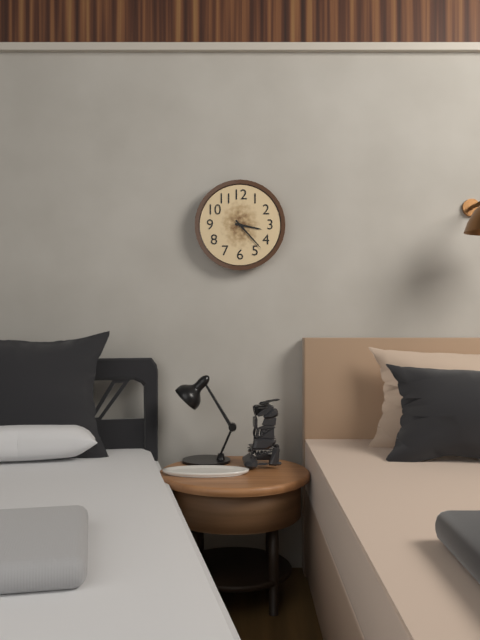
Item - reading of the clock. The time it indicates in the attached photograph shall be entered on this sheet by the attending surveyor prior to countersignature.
3:23
